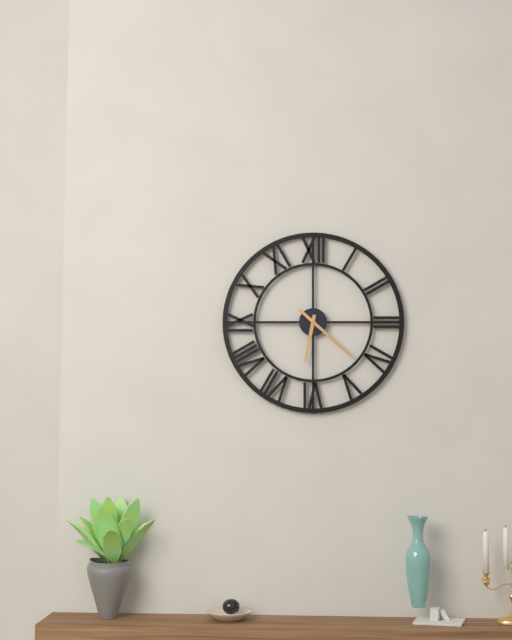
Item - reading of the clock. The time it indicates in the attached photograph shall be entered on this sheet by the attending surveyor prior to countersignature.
6:22
